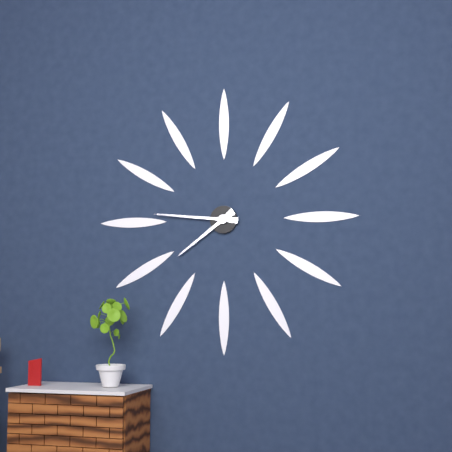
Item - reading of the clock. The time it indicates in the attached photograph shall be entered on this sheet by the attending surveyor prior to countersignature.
7:46
